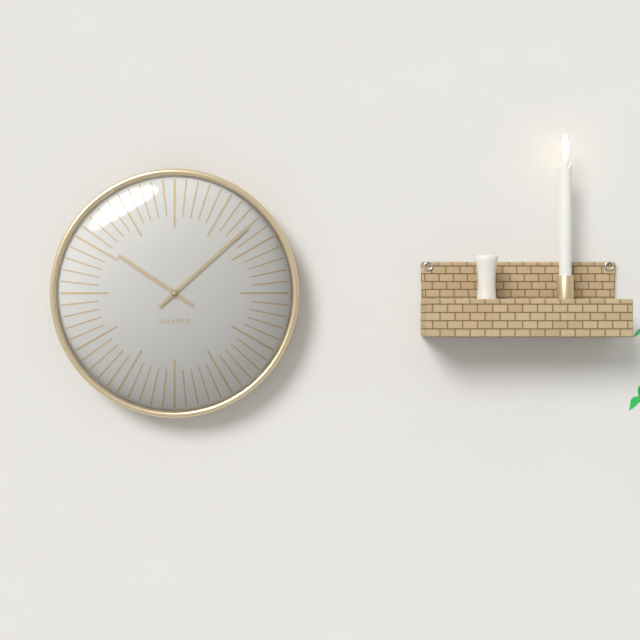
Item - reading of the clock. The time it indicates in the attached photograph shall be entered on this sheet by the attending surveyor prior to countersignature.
10:08
